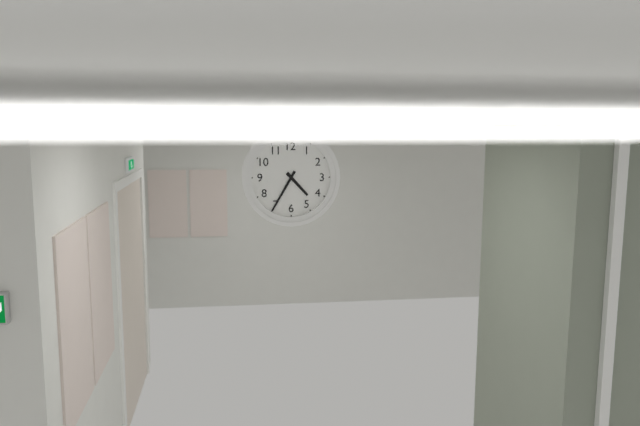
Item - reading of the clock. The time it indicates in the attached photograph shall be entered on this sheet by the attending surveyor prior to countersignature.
4:35
